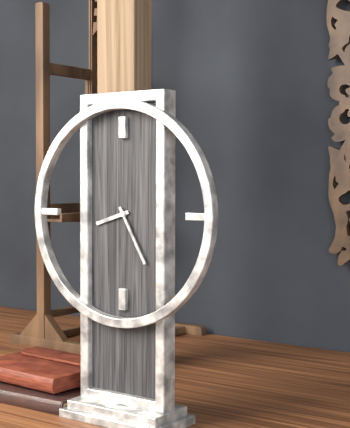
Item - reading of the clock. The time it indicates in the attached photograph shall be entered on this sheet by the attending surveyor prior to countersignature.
8:25
